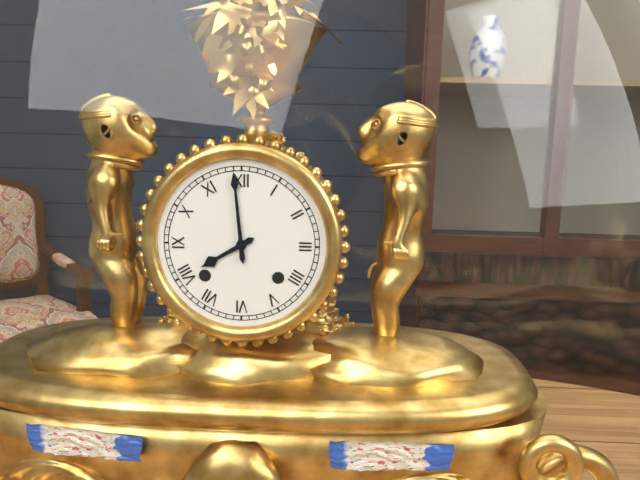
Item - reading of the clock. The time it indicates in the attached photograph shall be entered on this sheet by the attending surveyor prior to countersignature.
7:59
